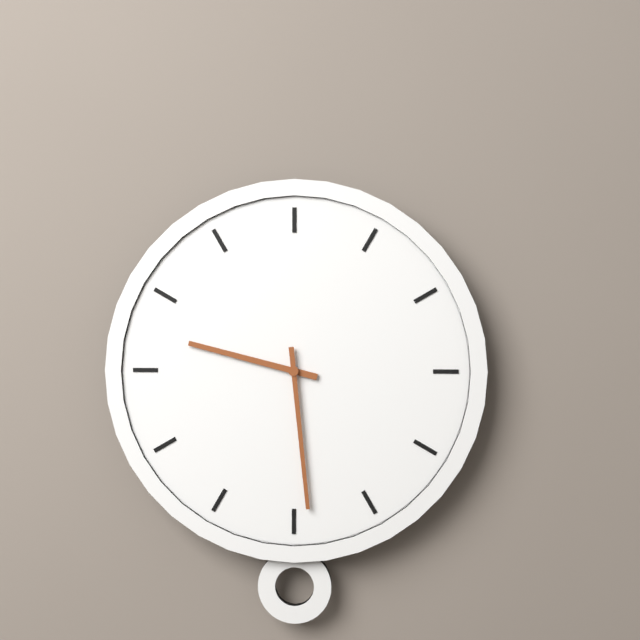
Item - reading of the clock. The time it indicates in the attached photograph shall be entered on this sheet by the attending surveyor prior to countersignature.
9:29
